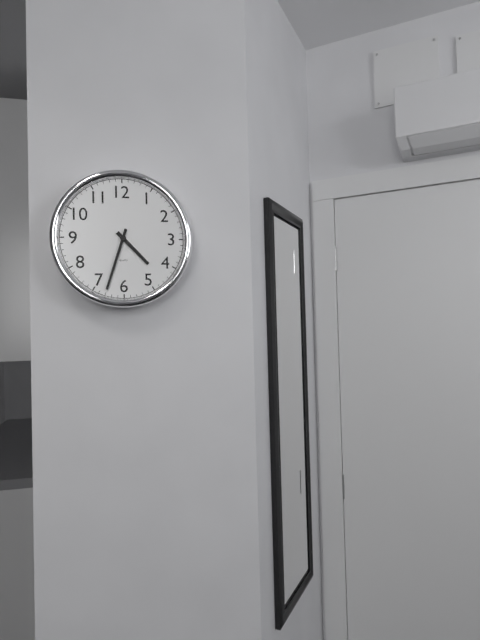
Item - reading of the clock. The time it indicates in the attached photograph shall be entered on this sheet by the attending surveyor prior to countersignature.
4:33
